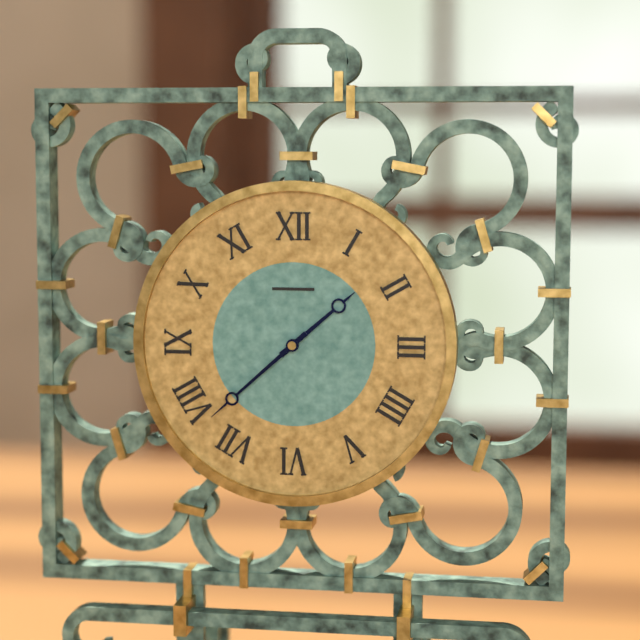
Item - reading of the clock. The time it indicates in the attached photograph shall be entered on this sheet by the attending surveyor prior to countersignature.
1:38
